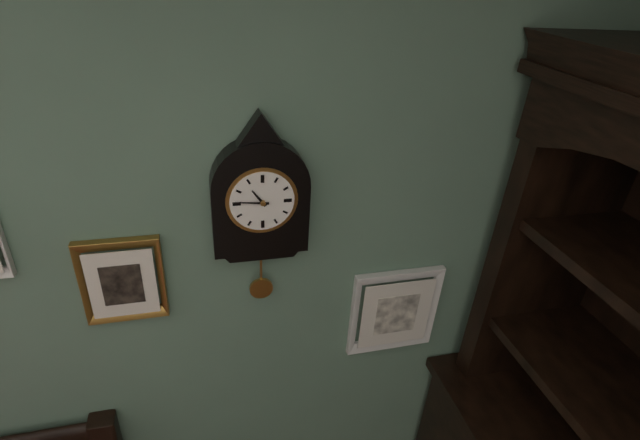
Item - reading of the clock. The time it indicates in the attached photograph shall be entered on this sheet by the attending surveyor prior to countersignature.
10:46
